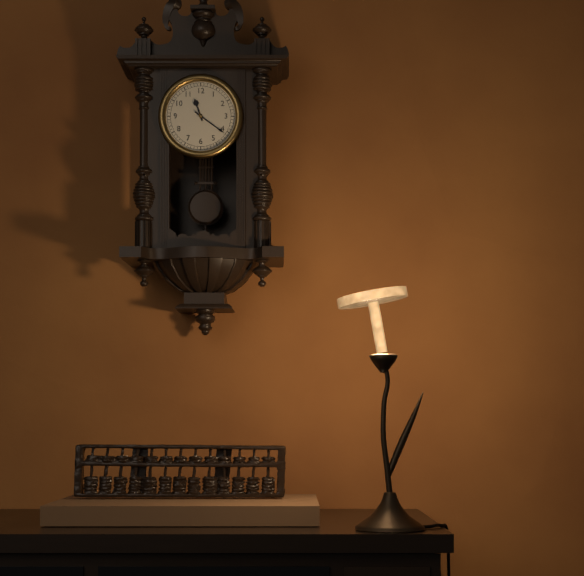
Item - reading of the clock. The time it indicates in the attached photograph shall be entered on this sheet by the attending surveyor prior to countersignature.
11:21
